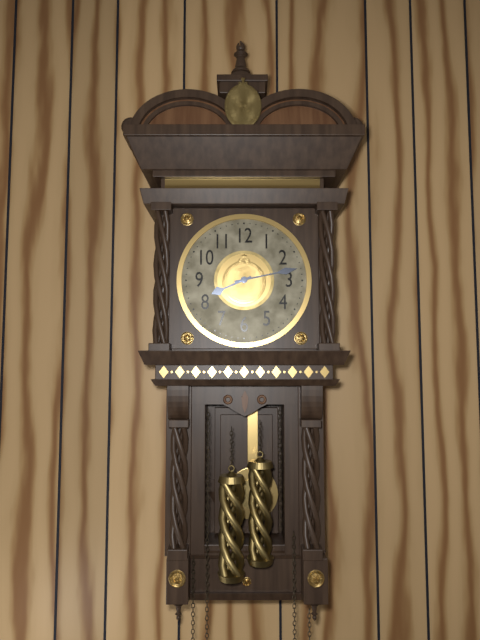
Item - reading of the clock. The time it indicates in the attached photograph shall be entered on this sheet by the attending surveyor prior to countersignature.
8:13
